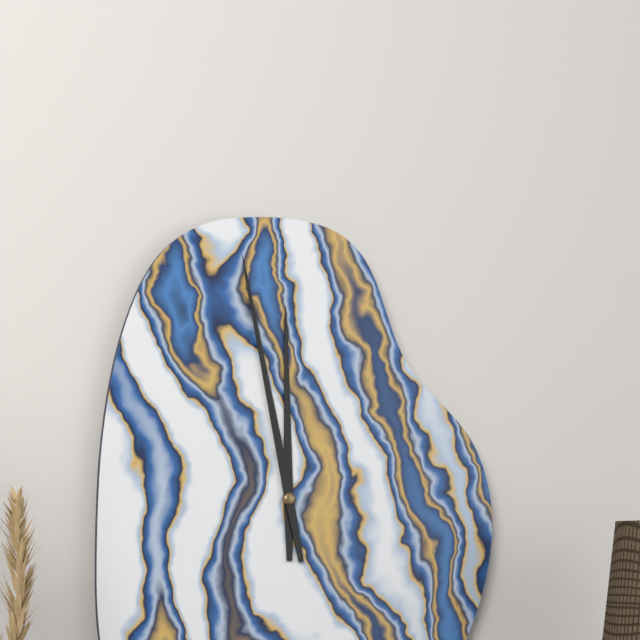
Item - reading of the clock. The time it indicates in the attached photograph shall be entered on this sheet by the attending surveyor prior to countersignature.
11:58
